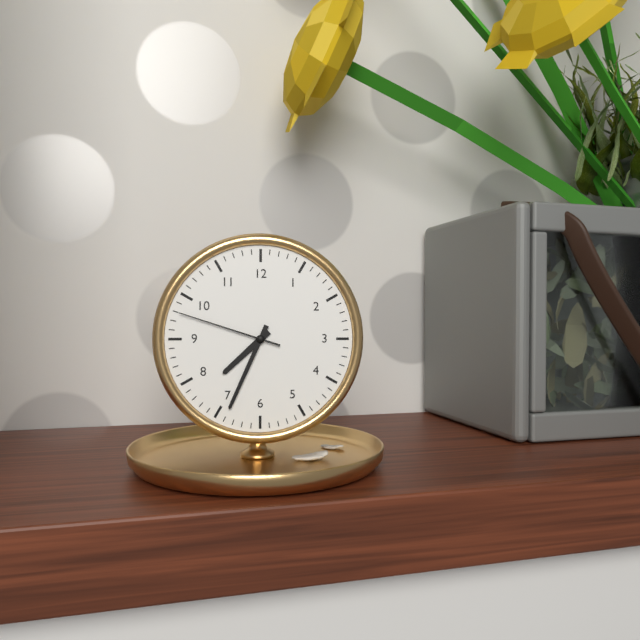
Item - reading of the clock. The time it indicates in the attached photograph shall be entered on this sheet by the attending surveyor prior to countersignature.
7:34:48
